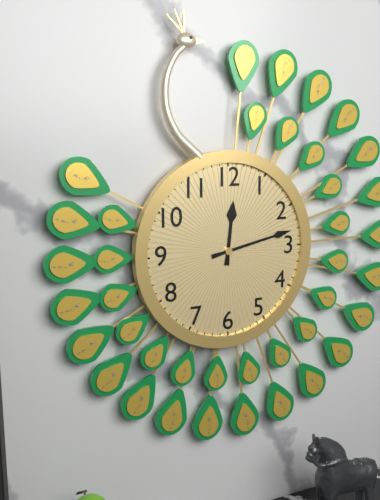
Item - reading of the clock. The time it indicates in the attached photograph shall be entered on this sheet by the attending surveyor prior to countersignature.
12:13
